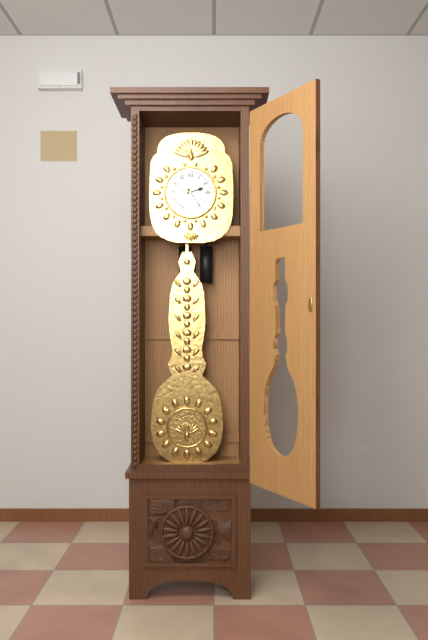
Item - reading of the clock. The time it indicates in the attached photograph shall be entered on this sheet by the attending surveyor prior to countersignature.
2:24
